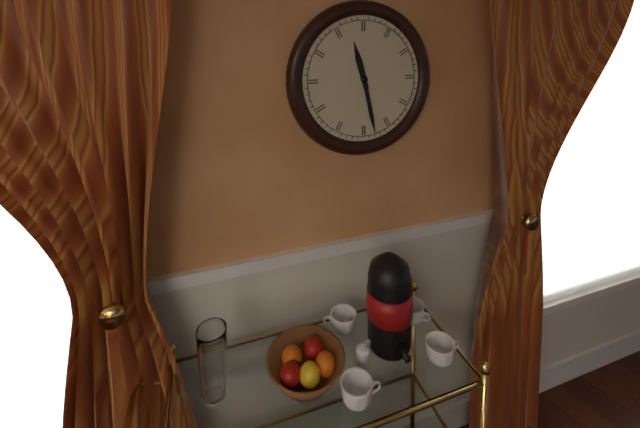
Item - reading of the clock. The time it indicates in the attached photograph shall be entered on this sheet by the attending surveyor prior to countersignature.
11:28
